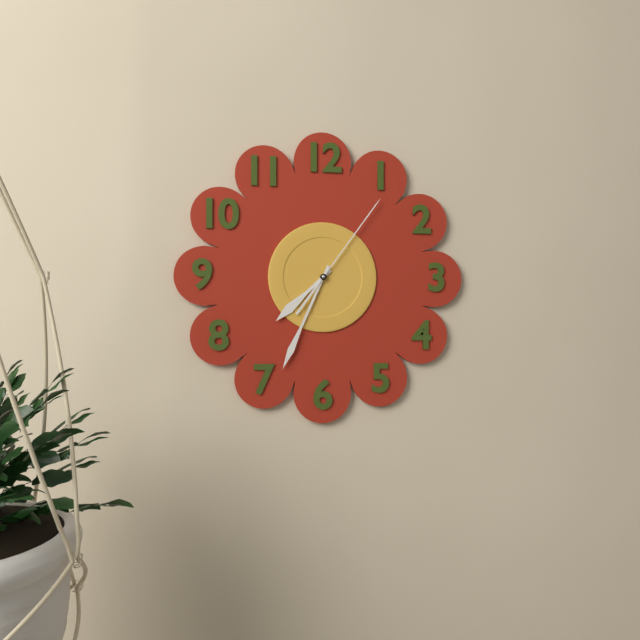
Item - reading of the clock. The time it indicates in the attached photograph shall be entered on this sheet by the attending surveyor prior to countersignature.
7:34:06
